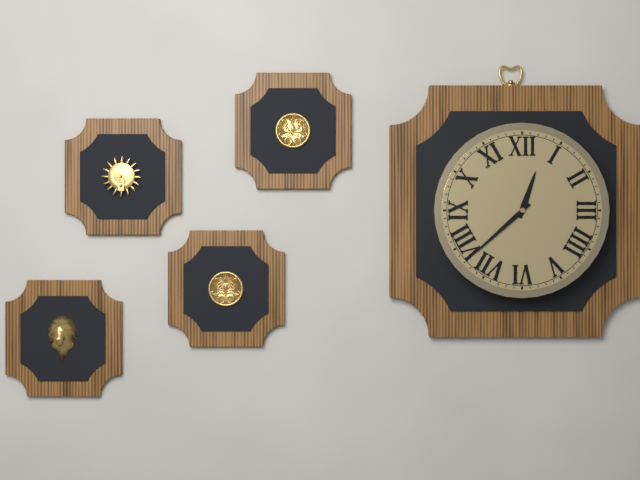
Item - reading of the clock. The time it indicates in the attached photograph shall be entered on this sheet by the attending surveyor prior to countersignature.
12:38
